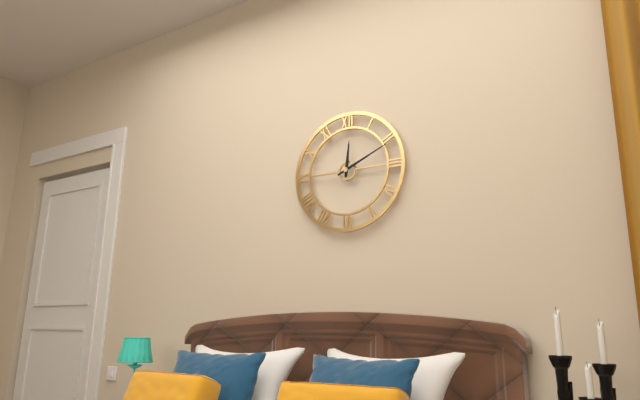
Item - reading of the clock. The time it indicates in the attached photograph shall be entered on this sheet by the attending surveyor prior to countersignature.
12:11
